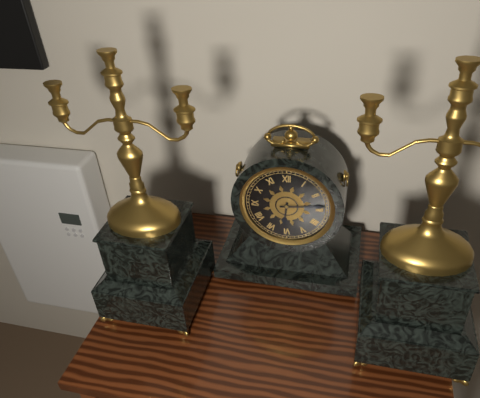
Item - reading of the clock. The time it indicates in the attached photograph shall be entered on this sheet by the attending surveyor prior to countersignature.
6:14
